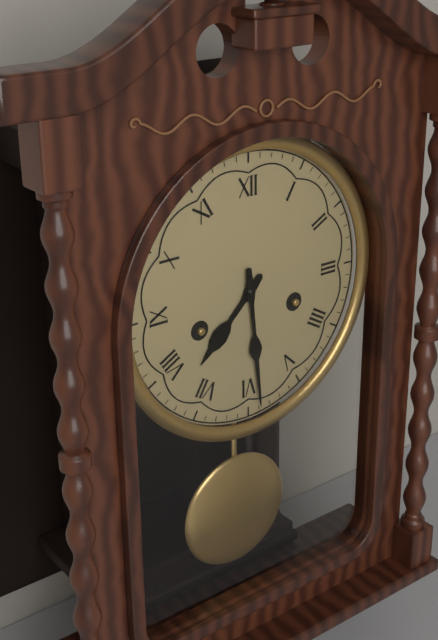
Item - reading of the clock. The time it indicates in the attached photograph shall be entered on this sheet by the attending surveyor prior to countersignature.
7:29
